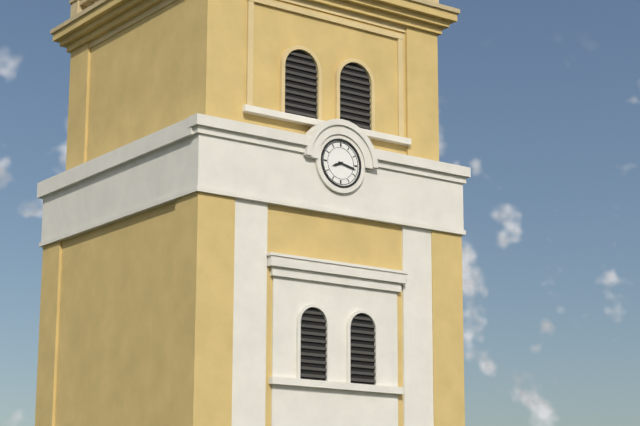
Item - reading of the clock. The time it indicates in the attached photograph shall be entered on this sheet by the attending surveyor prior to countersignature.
8:17
